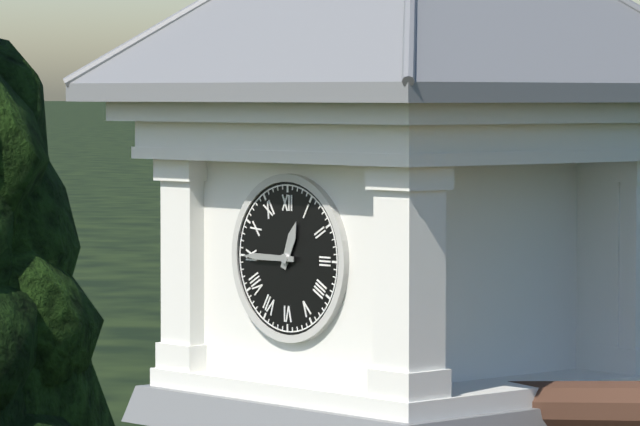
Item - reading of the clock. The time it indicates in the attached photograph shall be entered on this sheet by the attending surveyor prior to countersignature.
12:45
